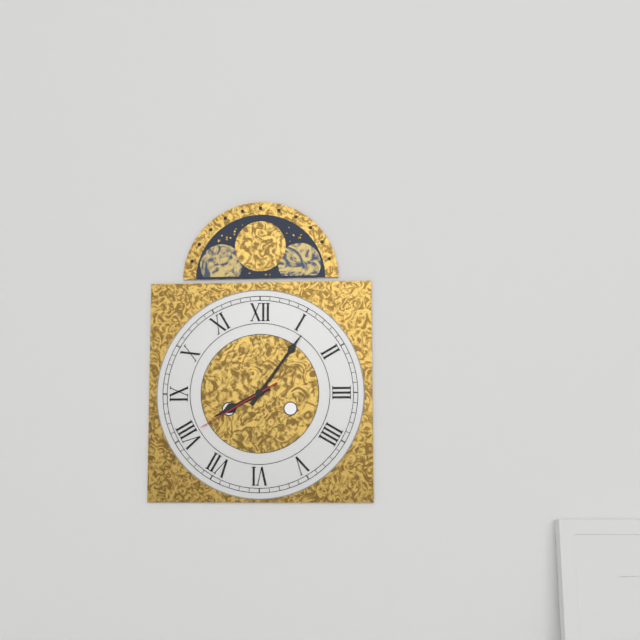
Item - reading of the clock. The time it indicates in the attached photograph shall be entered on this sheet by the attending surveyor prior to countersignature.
8:06:40
